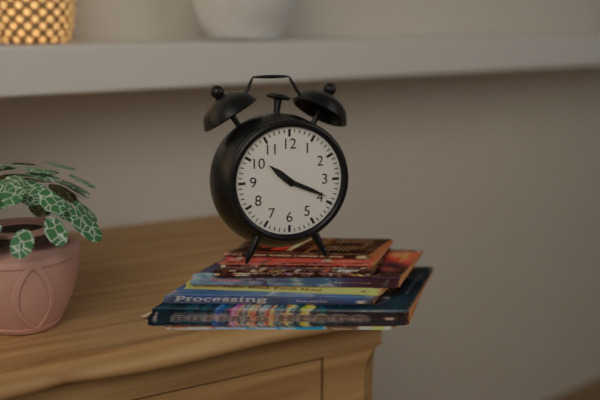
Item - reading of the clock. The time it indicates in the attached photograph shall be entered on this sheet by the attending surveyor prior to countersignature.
10:19
